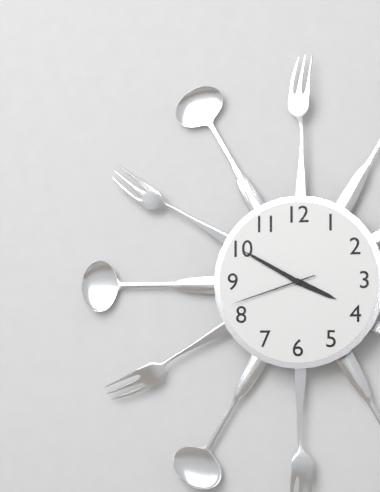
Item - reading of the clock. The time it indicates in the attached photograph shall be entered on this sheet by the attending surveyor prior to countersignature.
3:50:42
